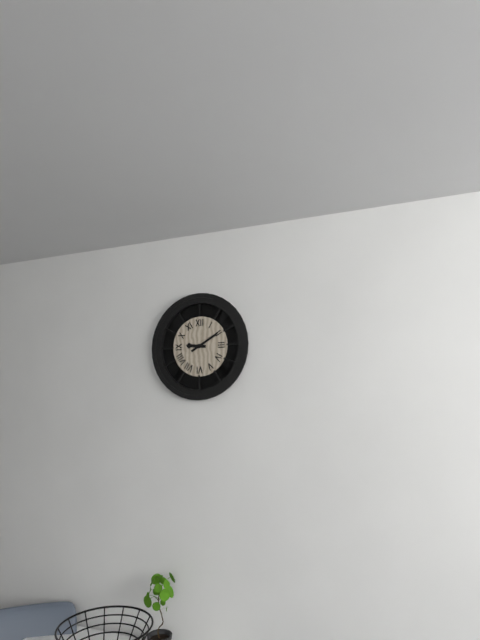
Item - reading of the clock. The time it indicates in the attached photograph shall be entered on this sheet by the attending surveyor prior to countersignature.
9:10
